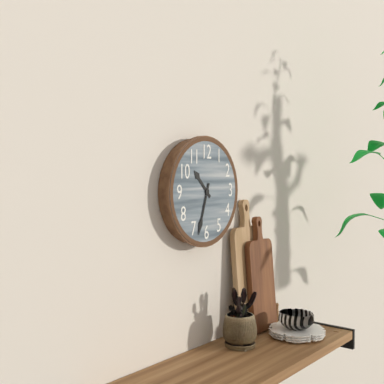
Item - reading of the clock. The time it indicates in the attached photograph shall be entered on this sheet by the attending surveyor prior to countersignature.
10:33
